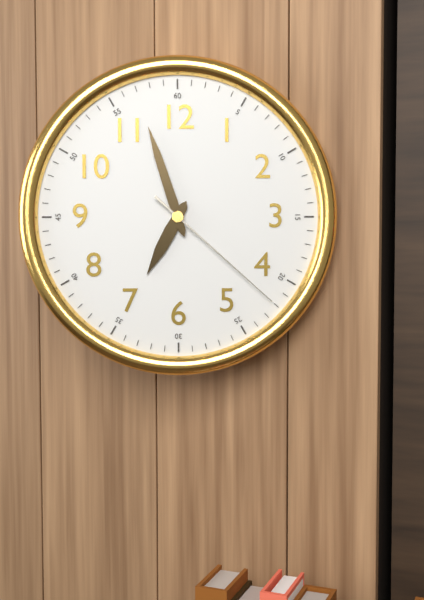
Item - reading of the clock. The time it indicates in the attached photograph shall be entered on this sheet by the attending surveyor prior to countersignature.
6:57:22
